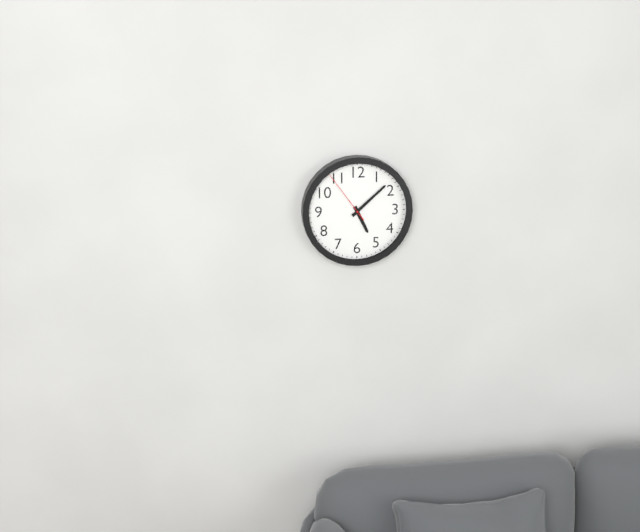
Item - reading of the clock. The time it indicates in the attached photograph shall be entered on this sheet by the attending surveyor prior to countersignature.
5:08:54
